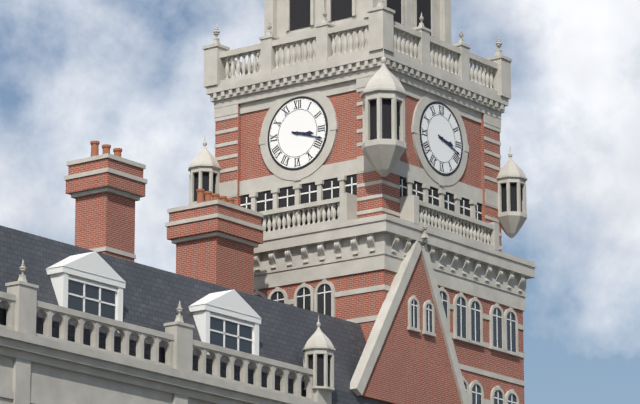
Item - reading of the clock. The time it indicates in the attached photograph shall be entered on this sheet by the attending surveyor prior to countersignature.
3:18
